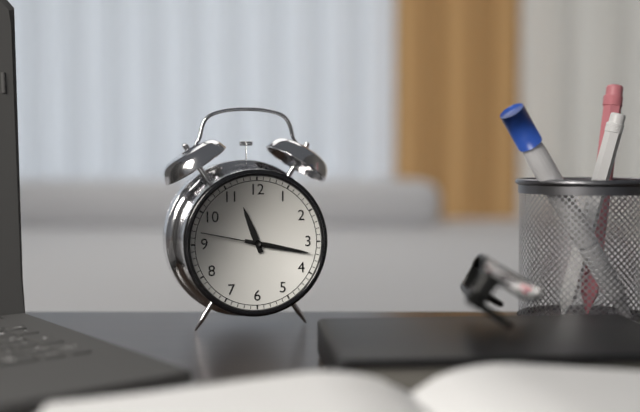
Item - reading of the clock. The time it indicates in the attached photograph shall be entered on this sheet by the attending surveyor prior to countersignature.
11:17:47
